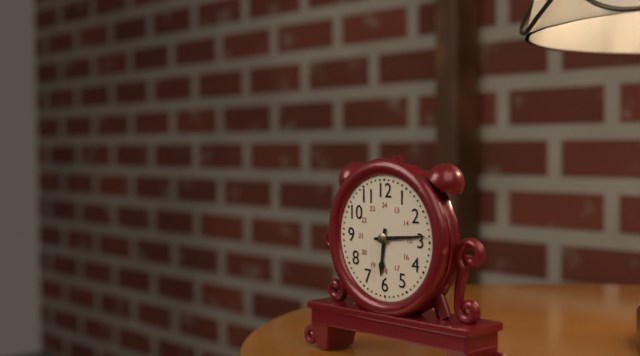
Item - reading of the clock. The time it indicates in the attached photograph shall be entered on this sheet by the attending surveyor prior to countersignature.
6:14
